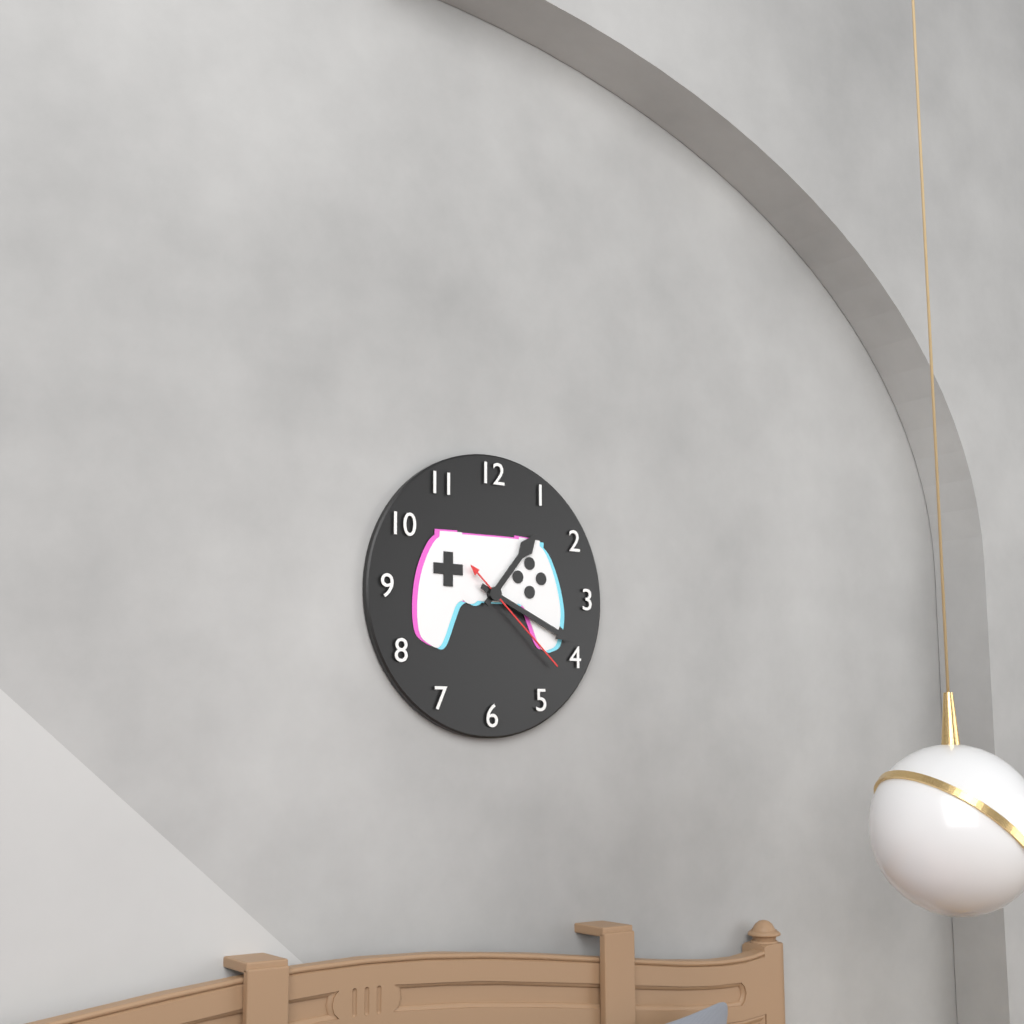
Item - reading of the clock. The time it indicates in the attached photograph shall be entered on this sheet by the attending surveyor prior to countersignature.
1:19:22
